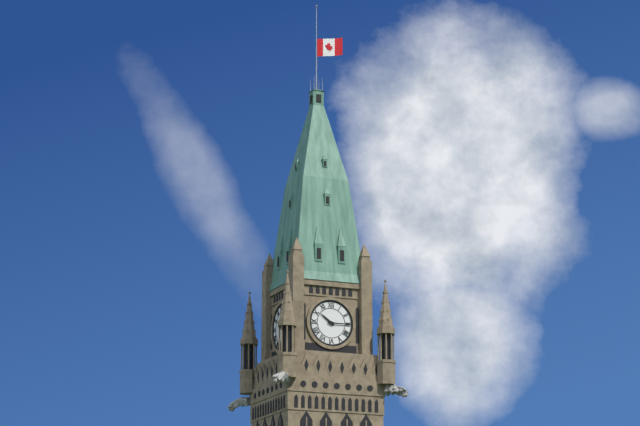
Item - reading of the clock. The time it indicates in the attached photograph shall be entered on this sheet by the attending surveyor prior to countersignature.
10:15
